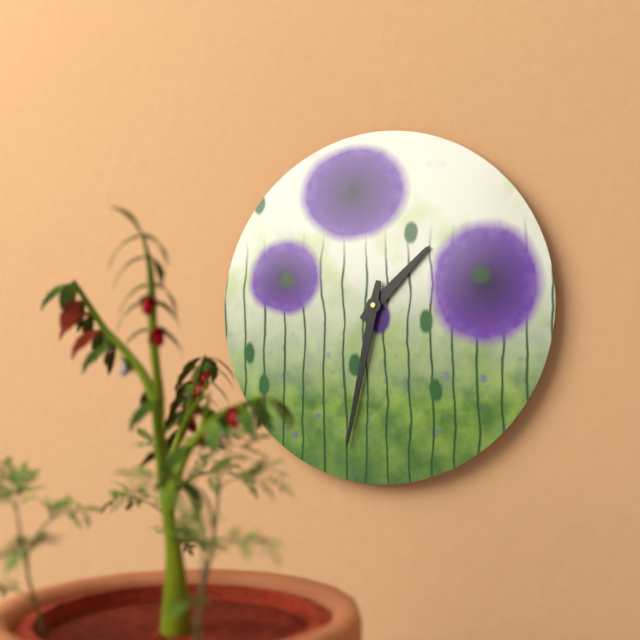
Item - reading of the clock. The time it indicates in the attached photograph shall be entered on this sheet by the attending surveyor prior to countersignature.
1:32
